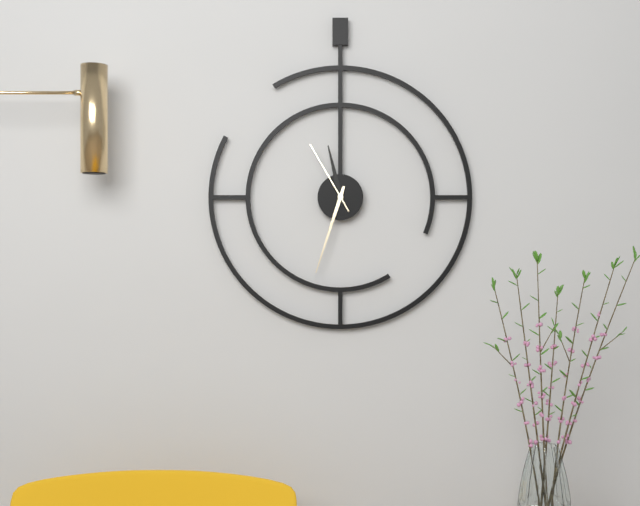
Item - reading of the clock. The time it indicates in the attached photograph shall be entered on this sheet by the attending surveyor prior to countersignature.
11:33:55
